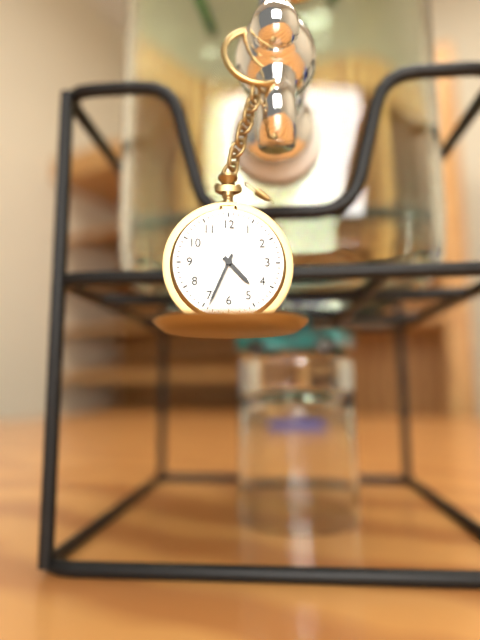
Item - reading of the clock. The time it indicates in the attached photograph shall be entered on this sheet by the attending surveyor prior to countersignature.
4:34
